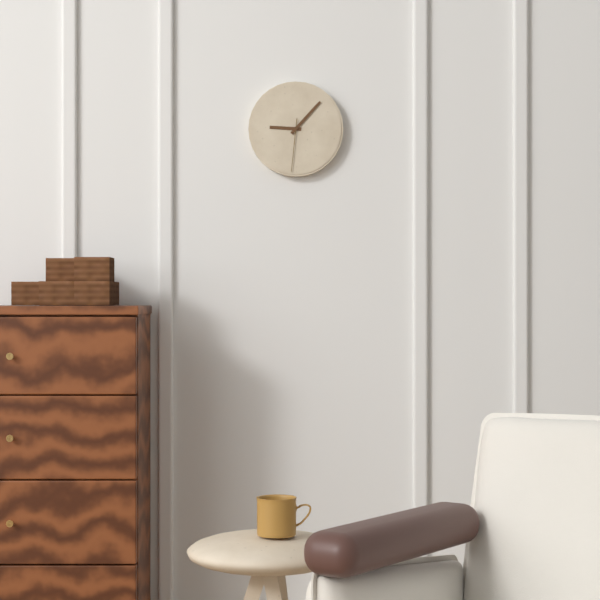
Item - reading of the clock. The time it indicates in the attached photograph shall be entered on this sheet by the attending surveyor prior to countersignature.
9:07:31
